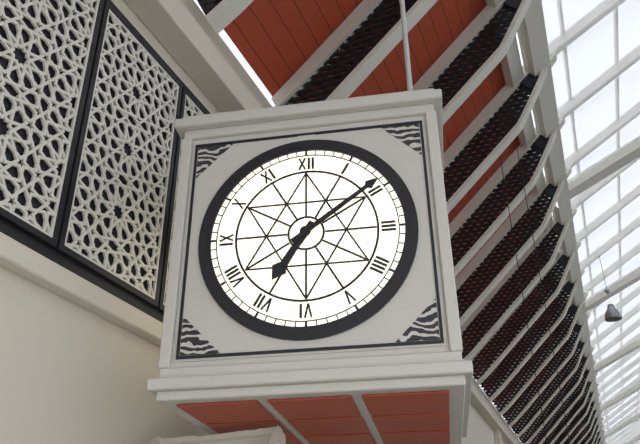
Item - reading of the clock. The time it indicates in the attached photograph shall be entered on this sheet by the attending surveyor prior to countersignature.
7:09
